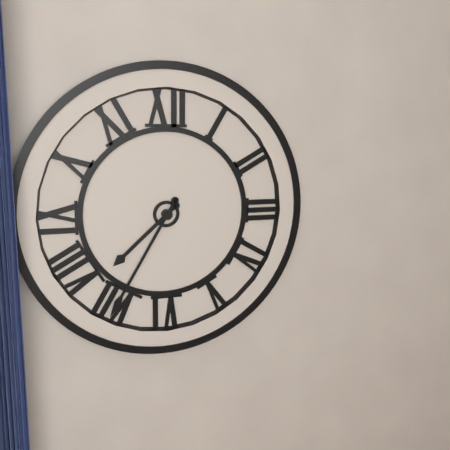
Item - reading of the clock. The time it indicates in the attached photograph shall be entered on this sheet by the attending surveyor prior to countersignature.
7:35
